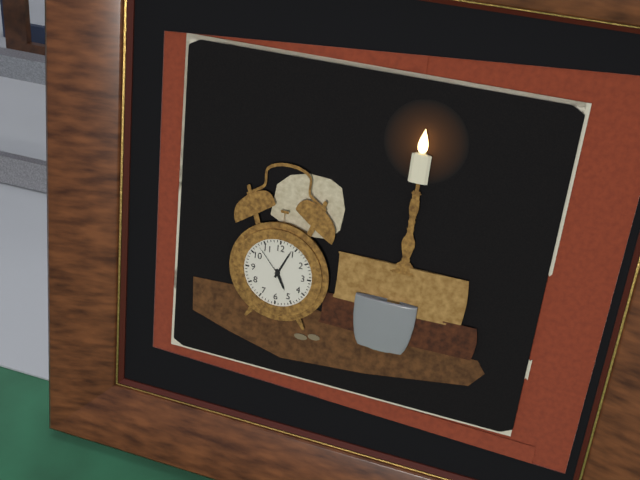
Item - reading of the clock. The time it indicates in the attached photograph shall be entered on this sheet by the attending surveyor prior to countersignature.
5:04
